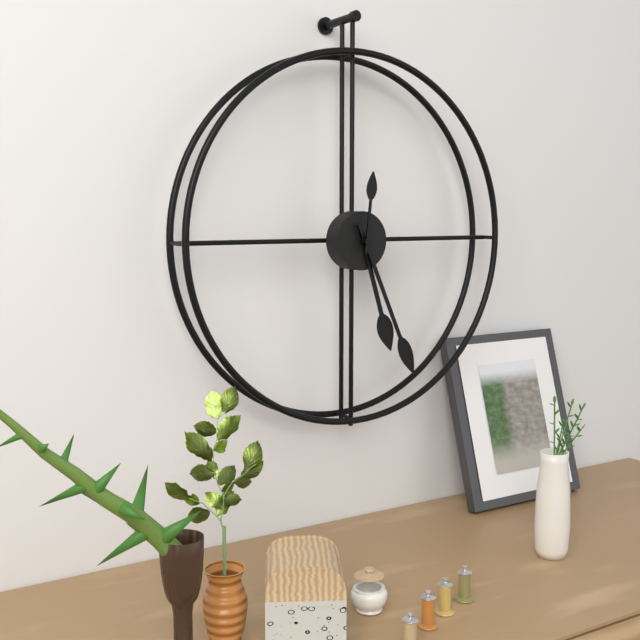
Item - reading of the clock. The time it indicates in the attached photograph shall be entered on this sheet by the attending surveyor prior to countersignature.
5:26:01
